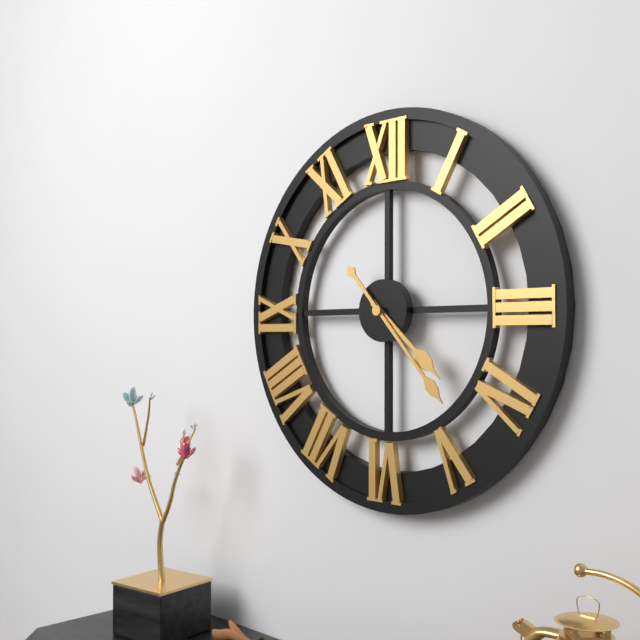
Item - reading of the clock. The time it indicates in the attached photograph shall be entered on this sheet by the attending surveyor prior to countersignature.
4:23
